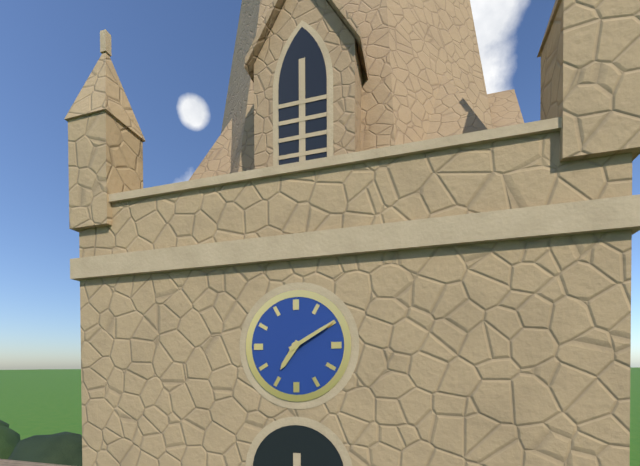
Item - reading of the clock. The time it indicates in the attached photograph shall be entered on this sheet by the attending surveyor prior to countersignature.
7:10
